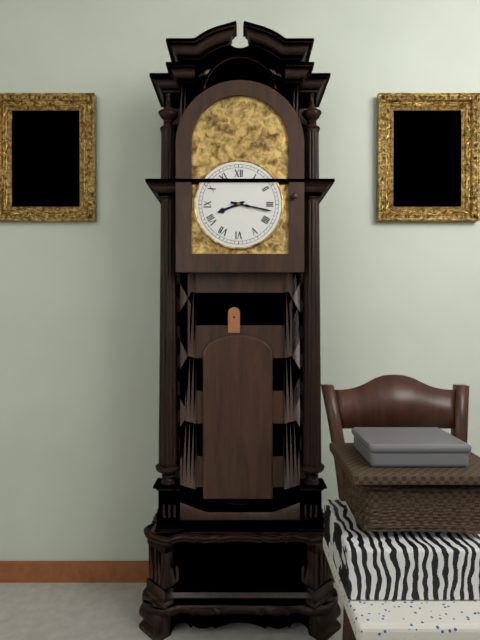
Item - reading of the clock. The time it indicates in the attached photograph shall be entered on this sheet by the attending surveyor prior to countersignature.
8:17
